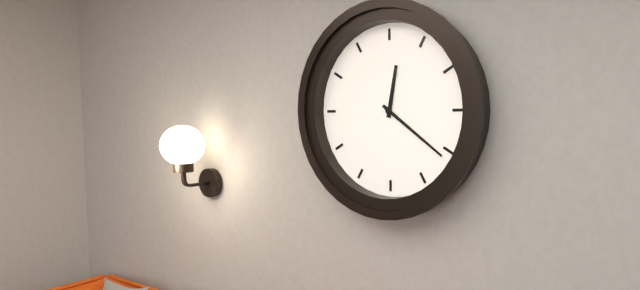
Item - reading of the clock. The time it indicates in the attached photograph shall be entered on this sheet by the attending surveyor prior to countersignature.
12:21
